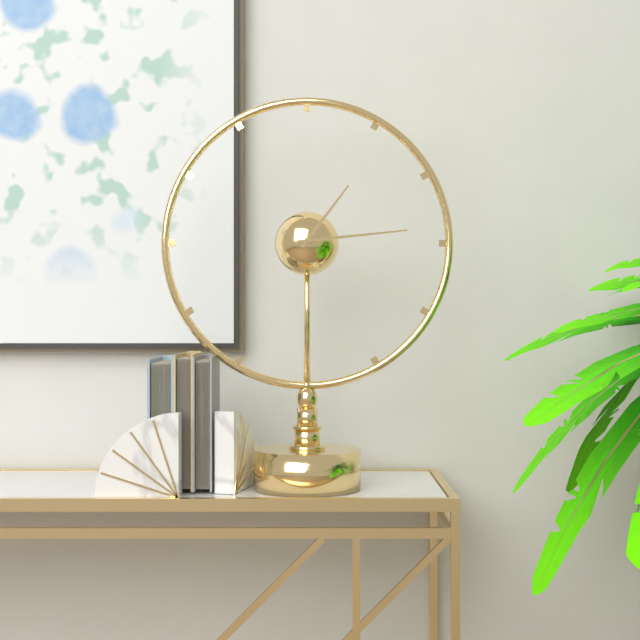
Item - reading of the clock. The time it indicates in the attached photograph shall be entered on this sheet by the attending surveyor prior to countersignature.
1:14
